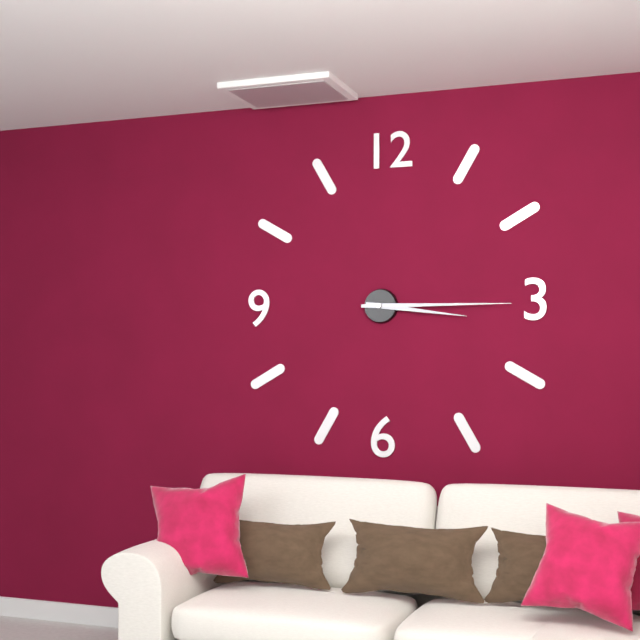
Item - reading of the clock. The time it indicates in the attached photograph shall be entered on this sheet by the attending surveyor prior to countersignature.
3:15
